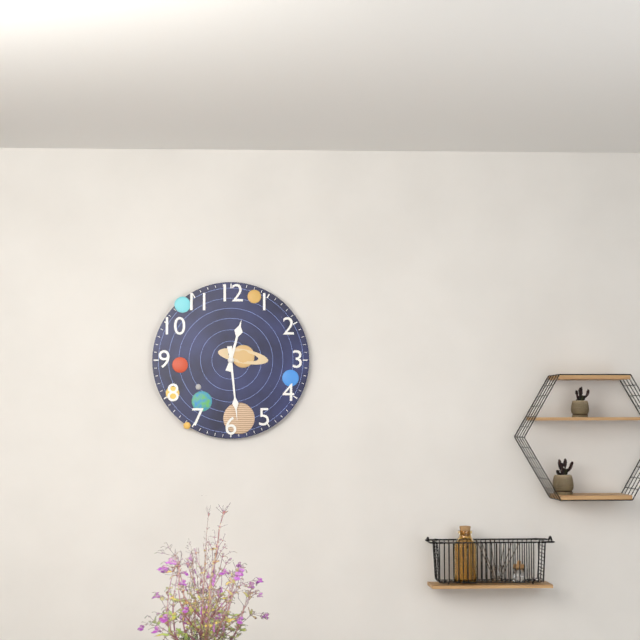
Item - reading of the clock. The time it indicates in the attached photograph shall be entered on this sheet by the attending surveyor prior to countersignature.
12:29
